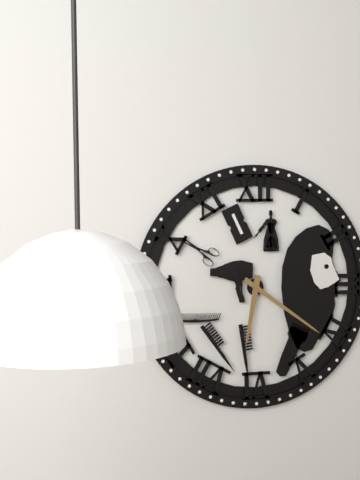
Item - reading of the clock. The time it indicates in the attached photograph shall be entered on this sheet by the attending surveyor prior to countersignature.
6:21
